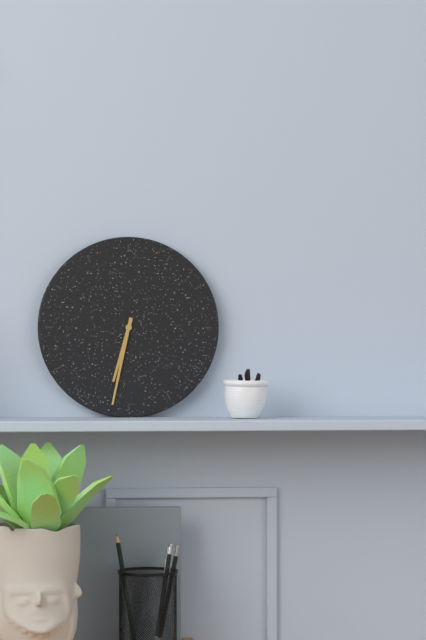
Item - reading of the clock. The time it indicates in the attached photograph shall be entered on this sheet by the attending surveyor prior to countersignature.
6:32
